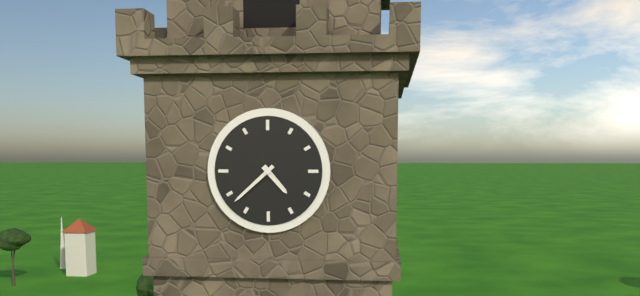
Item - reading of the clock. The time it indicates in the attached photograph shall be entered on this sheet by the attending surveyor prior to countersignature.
4:38
